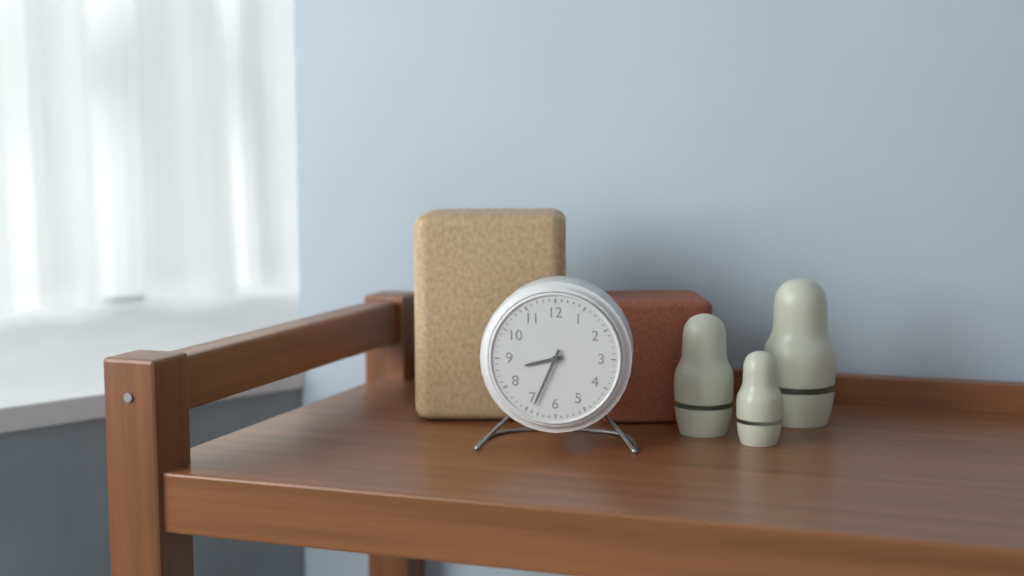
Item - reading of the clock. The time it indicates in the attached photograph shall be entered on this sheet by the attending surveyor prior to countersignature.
8:34
